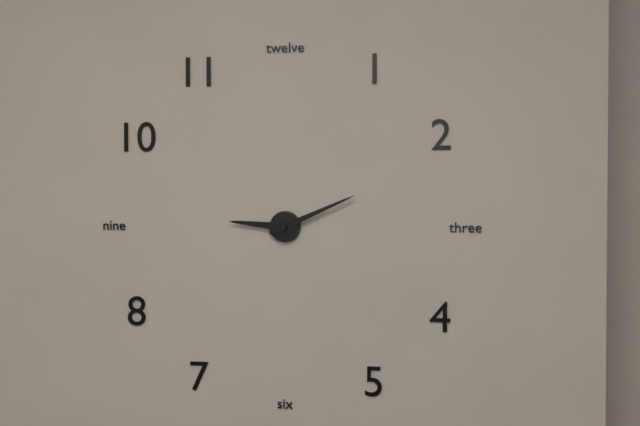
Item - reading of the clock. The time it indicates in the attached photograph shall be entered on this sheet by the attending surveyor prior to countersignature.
9:11
